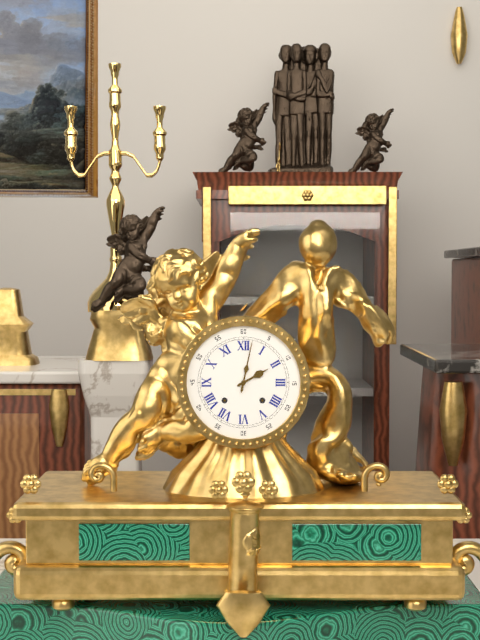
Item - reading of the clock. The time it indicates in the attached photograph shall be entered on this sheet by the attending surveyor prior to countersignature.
2:02
